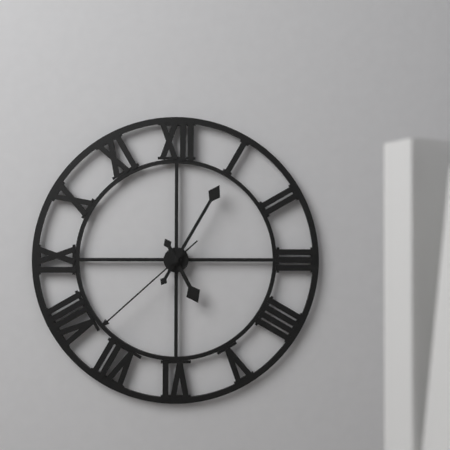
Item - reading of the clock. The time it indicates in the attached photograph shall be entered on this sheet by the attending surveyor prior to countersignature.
5:05:38
